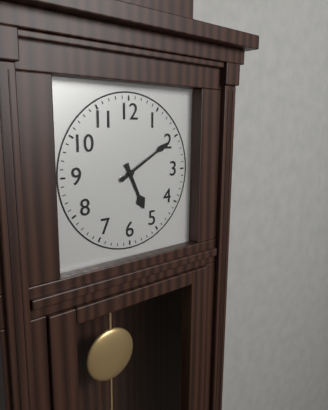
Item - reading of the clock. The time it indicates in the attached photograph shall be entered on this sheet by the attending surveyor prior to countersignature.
5:10
